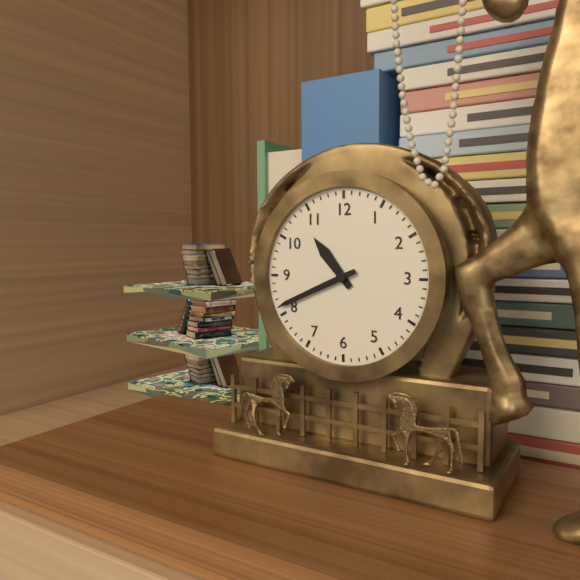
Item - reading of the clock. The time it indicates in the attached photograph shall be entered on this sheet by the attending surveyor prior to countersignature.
10:41
